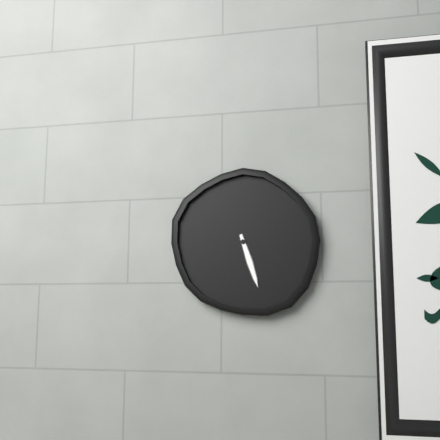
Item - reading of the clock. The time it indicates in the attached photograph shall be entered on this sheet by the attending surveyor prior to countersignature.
4:27
